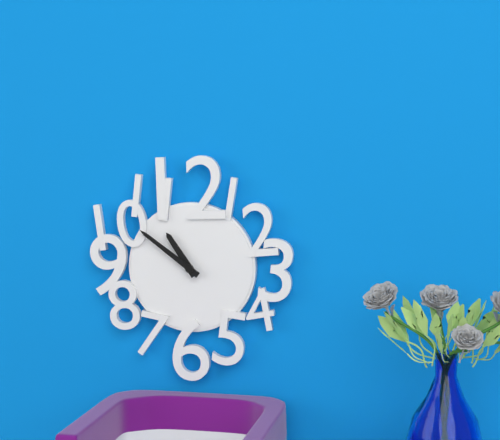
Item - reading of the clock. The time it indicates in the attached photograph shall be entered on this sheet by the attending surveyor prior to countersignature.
10:51
